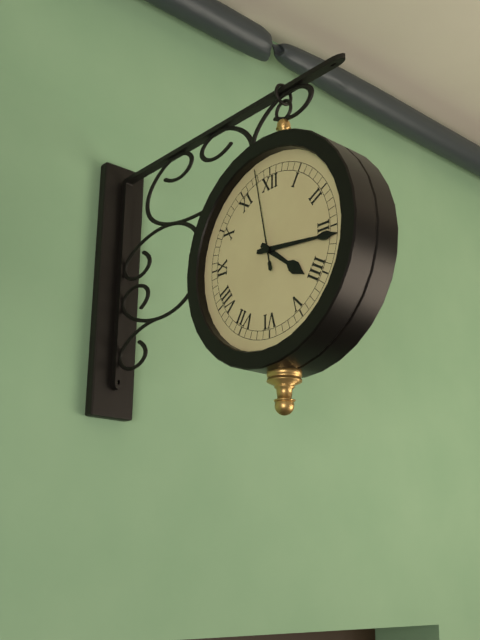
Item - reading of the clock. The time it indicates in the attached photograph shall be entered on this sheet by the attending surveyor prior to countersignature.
4:16:58
